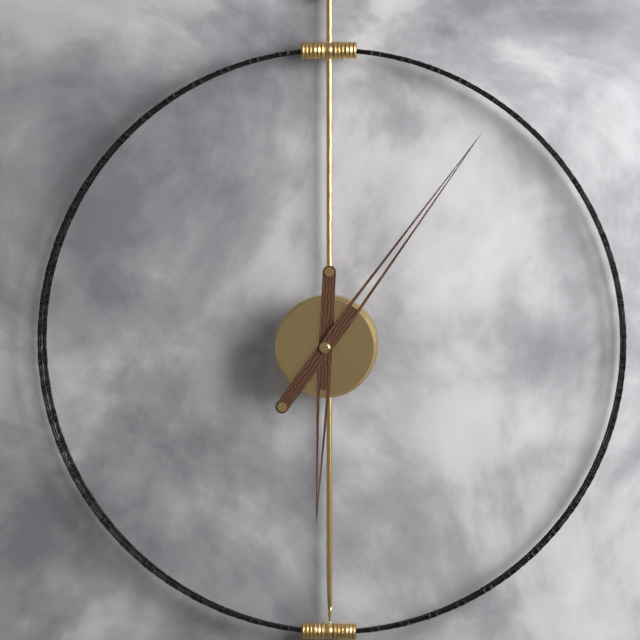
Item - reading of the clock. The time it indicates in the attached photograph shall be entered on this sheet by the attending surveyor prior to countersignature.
6:06
